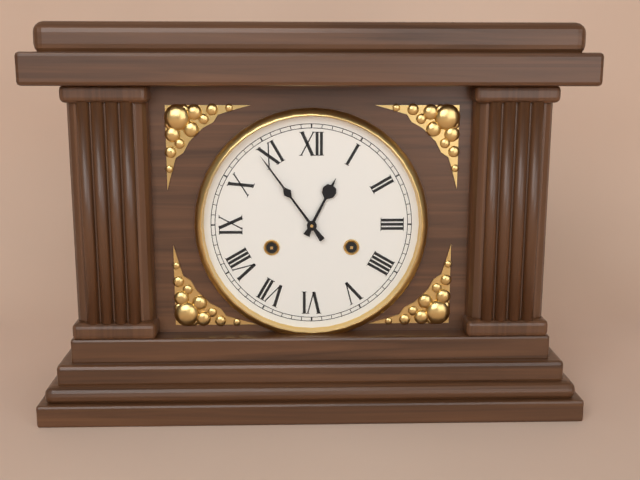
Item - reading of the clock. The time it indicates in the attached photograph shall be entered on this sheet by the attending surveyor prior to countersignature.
12:54
